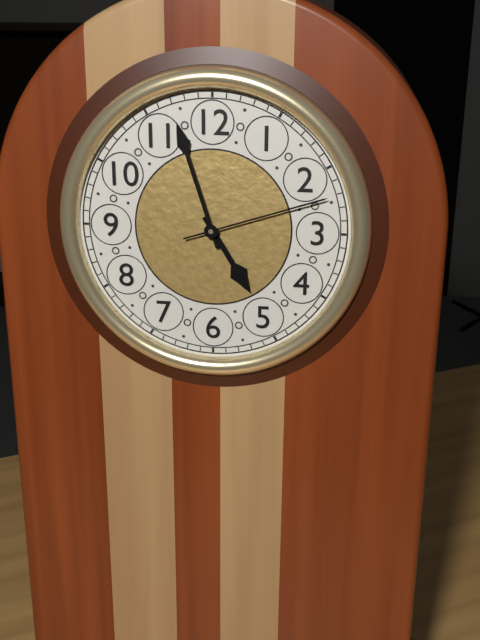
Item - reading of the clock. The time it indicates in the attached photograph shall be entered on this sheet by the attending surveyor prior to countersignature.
4:57:12
